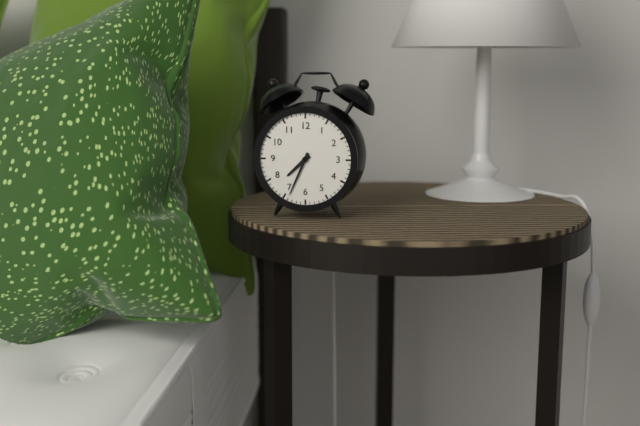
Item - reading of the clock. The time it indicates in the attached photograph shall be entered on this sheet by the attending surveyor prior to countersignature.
7:34
